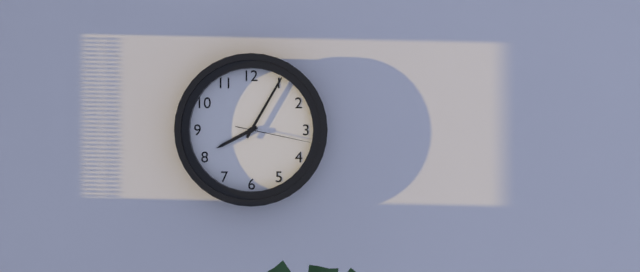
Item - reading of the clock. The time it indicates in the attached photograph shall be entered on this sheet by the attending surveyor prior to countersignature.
8:05:17
